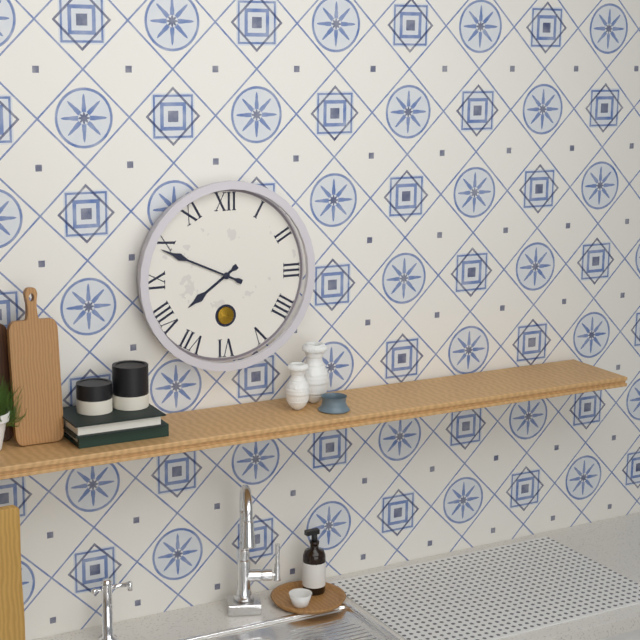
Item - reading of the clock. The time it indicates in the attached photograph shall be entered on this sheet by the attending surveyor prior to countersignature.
7:49
